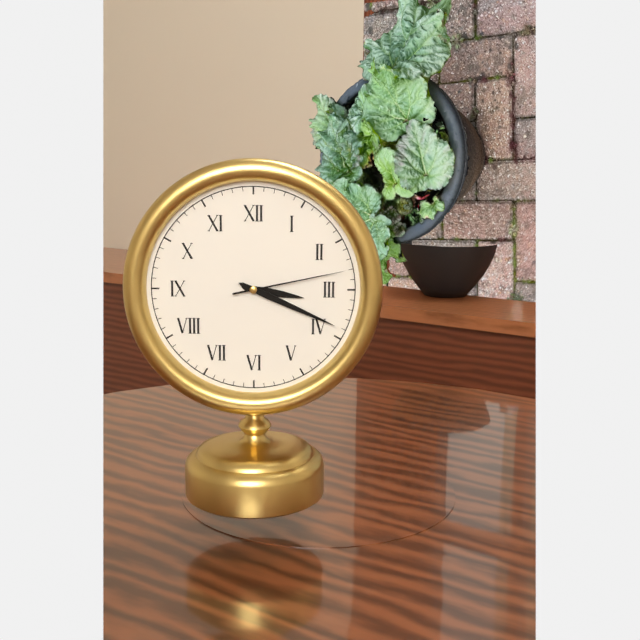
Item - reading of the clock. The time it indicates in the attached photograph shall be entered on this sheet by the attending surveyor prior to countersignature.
3:19:13
